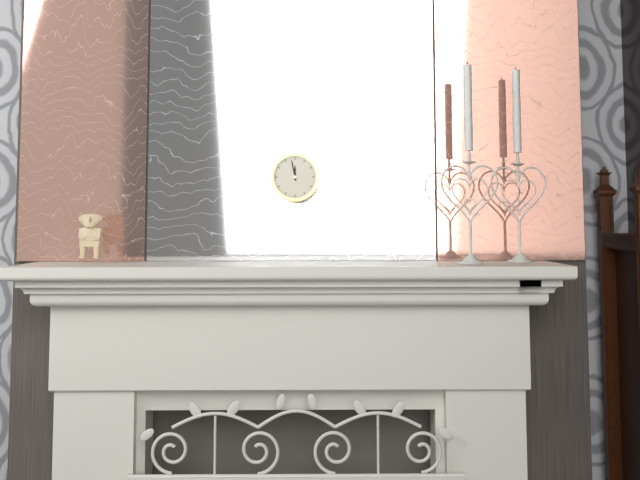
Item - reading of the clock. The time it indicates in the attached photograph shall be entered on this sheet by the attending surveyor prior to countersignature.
11:58
